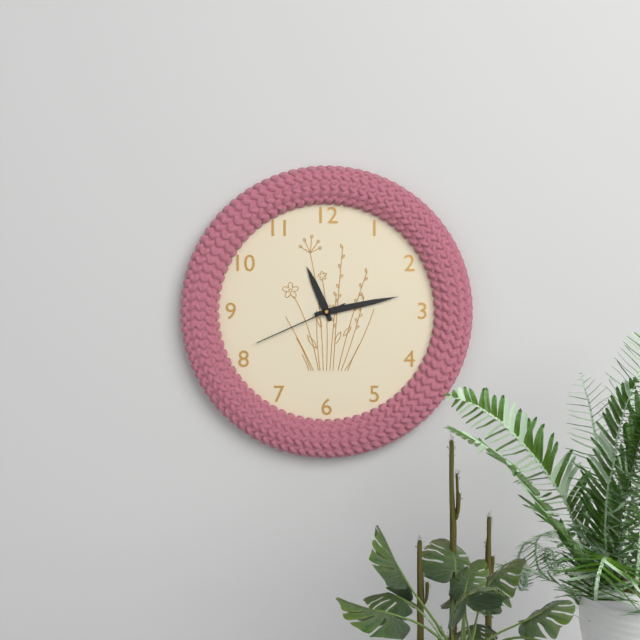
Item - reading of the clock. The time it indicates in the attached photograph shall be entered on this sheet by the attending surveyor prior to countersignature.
11:13:41
